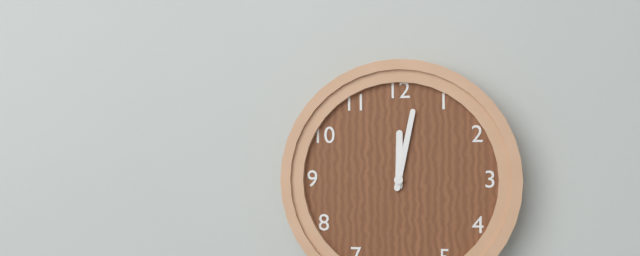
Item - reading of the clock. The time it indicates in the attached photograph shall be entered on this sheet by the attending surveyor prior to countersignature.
12:02
